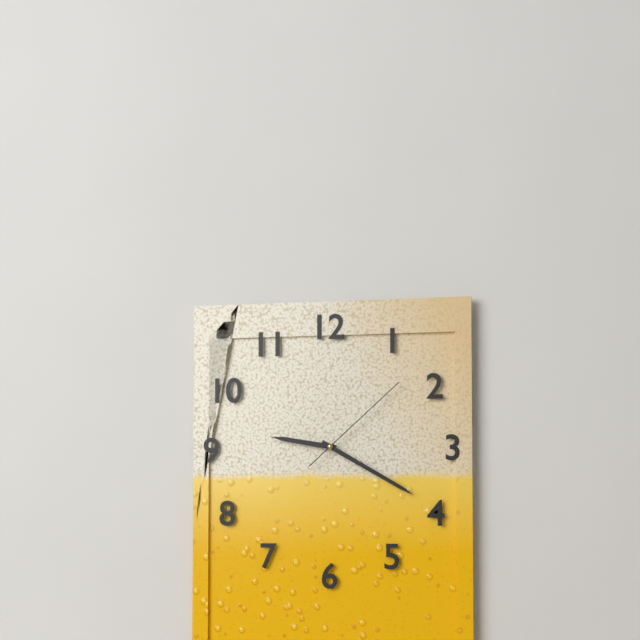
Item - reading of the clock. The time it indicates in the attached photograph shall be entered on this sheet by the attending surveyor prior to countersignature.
9:20:08
